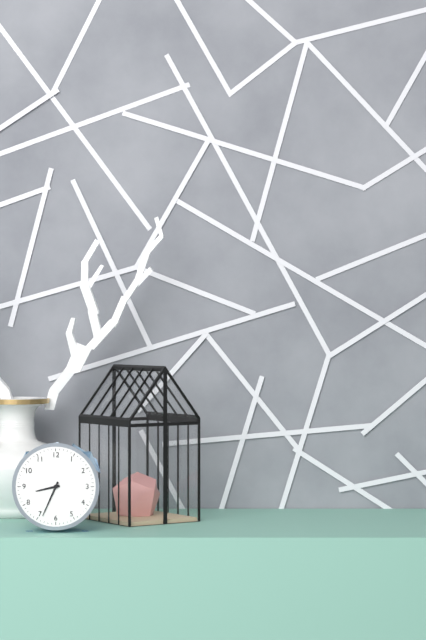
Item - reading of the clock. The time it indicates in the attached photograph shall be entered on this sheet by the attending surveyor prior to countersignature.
8:34
